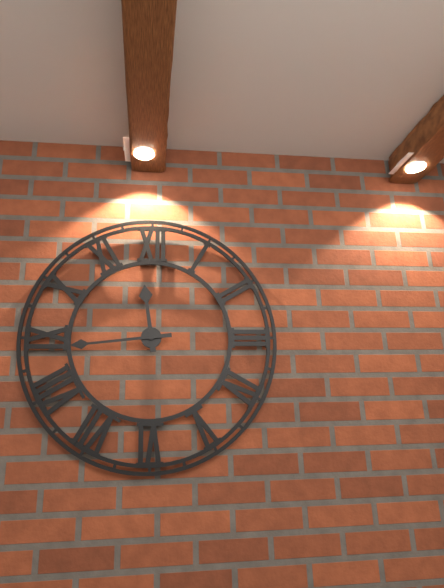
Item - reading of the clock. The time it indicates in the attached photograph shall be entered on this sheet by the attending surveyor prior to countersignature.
11:44
